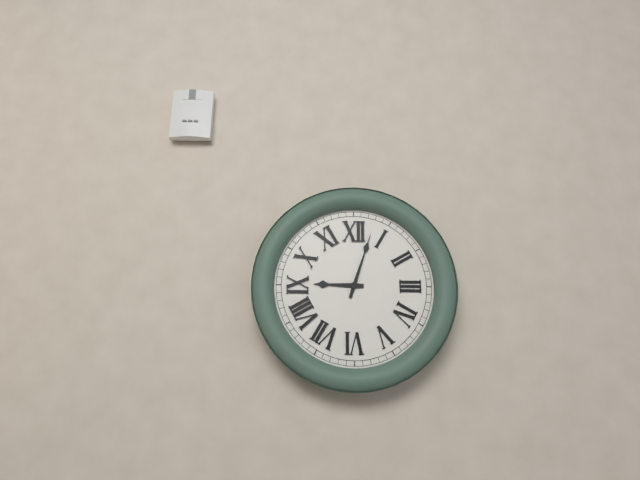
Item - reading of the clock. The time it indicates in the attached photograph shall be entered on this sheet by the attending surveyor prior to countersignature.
9:03
